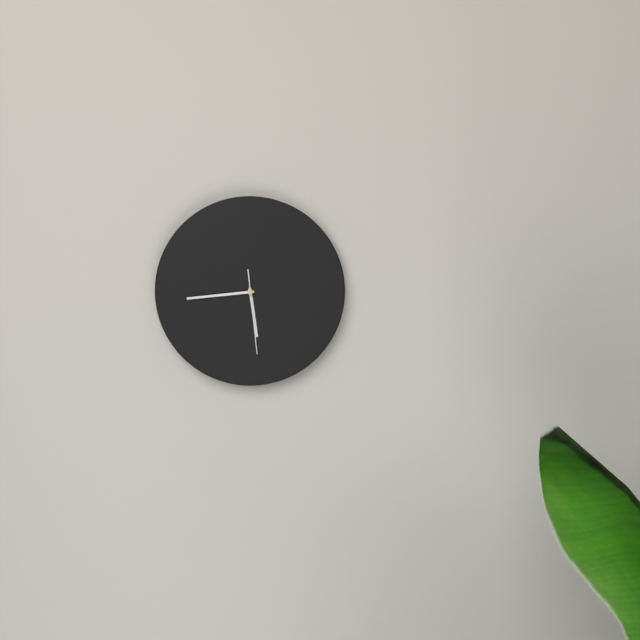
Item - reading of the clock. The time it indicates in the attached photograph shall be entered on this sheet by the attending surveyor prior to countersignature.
5:44:29
